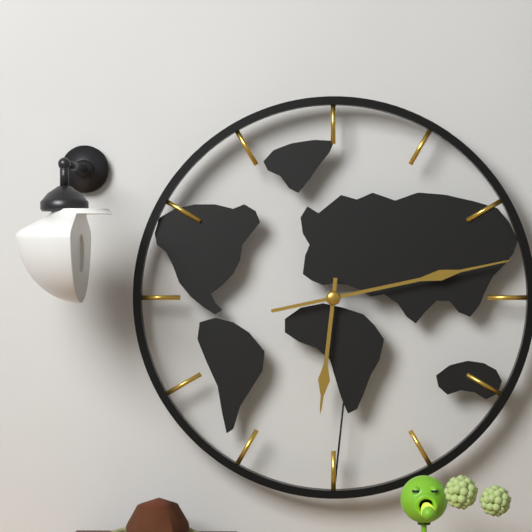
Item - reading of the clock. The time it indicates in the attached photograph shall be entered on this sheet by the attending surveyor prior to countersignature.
6:13
